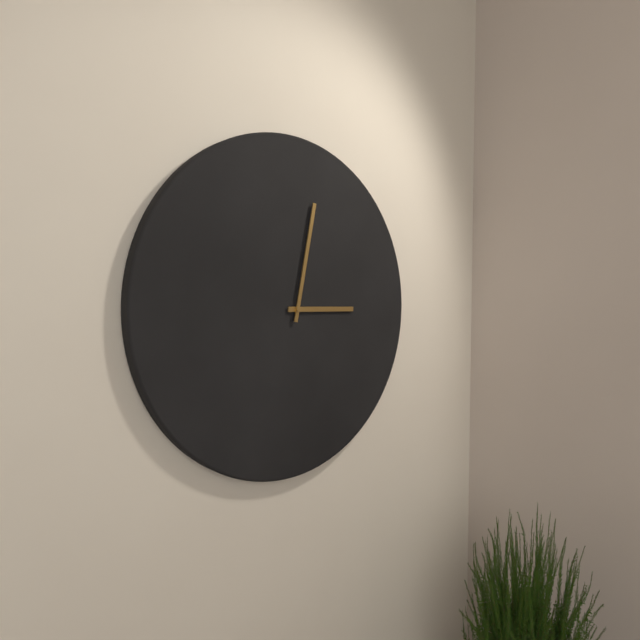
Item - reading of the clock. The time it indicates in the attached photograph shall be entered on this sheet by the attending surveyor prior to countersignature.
3:02
